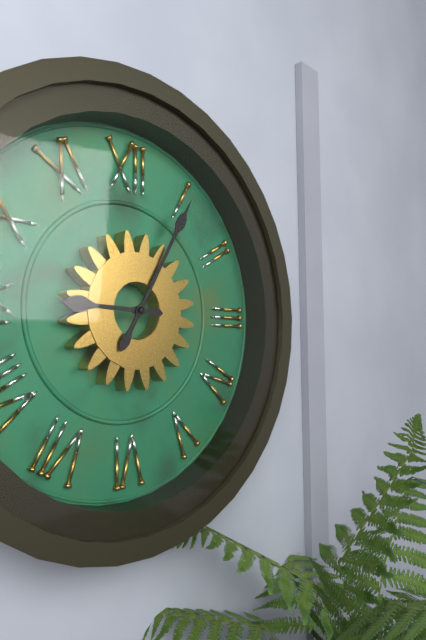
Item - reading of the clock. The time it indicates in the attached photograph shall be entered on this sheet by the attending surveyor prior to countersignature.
9:05
